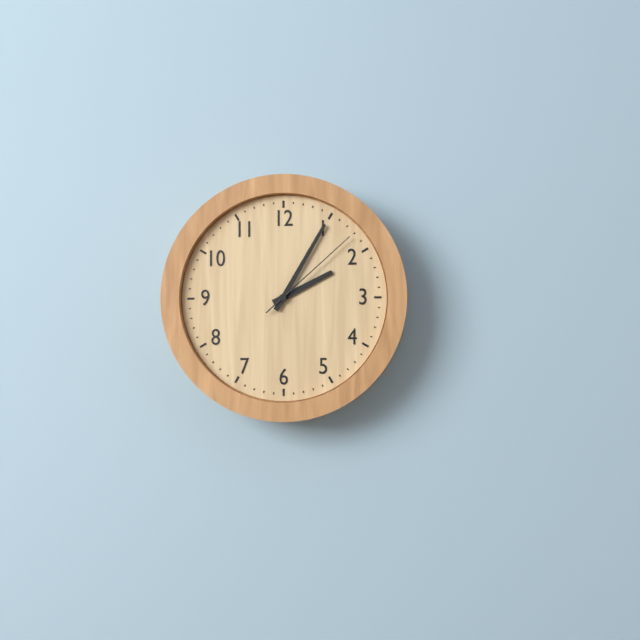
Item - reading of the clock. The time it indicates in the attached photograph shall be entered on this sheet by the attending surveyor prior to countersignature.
2:05:08
